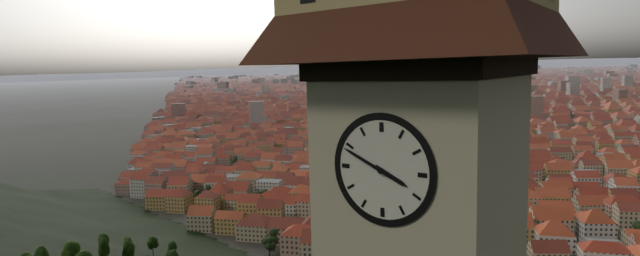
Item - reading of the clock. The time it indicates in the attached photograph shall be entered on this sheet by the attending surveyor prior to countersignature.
3:49
